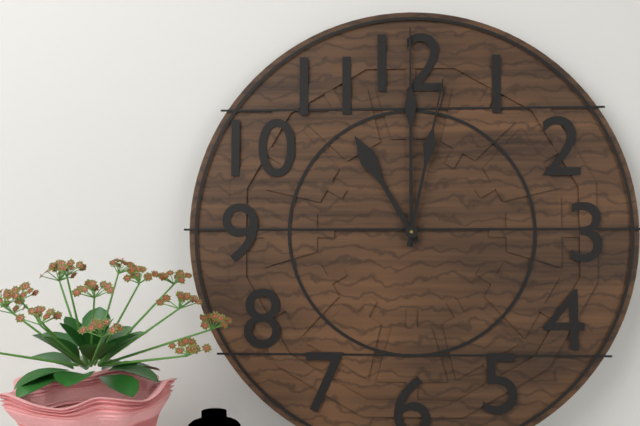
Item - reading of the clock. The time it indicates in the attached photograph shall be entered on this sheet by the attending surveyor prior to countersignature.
11:00:02
